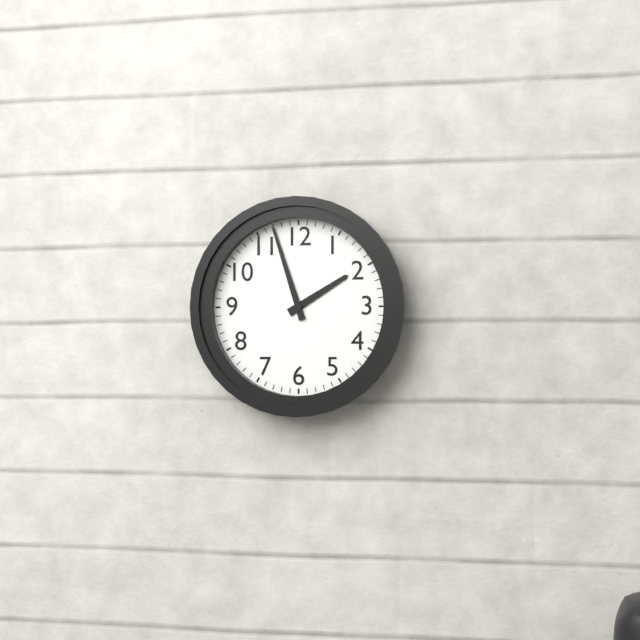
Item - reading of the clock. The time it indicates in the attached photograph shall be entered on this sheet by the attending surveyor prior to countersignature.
1:57
